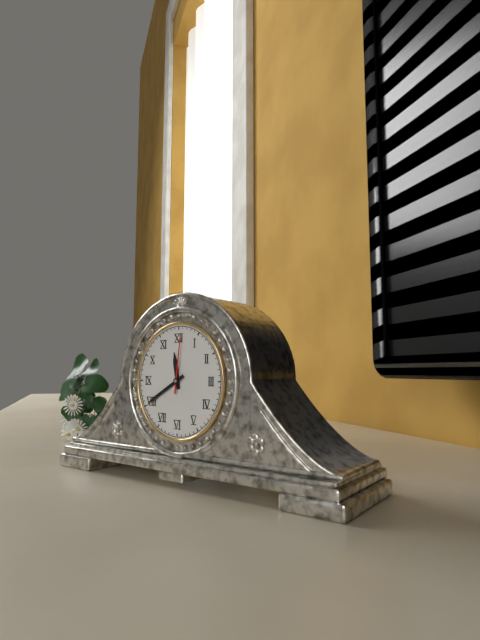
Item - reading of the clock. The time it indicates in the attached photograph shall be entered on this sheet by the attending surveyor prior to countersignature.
11:40:01
